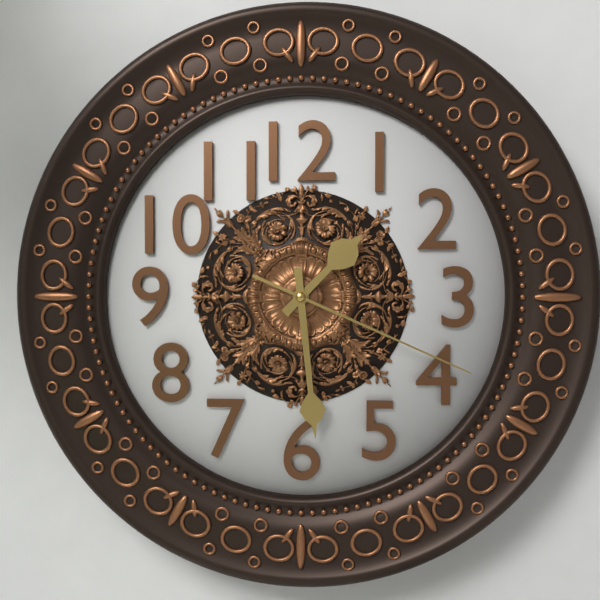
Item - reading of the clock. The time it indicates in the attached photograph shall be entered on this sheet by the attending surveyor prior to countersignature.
1:29:19
